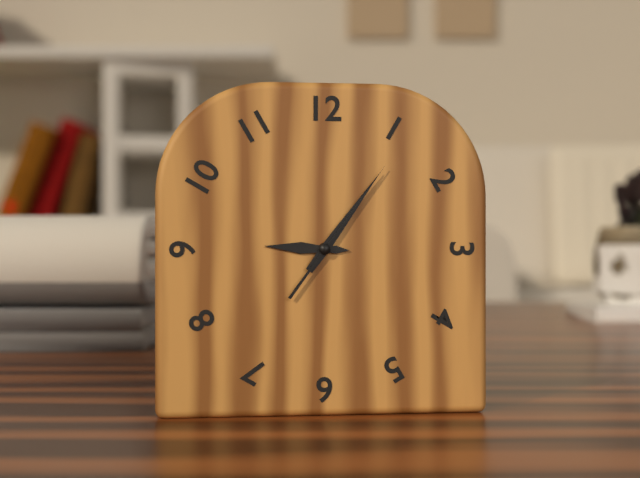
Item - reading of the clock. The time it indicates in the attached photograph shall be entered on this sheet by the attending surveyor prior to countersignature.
9:06:06
